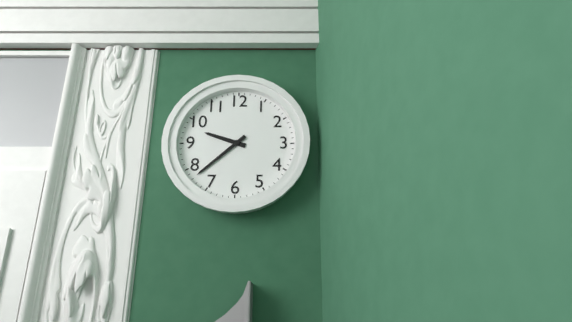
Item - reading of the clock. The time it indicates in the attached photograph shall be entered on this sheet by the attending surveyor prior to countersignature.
9:38
